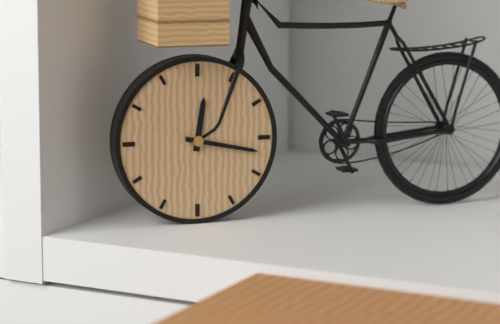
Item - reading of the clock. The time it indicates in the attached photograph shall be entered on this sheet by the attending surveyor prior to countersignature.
12:17
